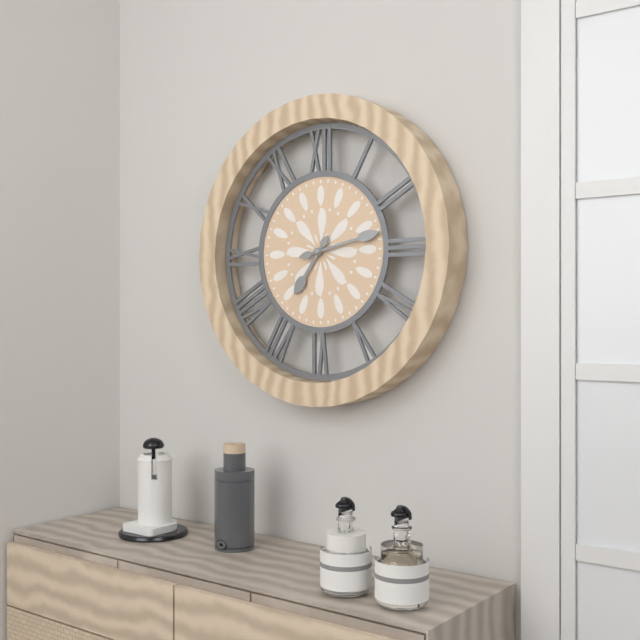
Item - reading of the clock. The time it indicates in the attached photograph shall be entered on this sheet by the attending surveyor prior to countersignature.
7:13
